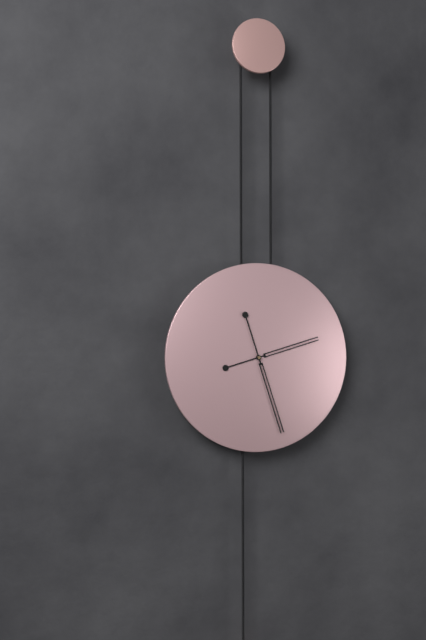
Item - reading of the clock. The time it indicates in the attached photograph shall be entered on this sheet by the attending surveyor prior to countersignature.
2:27
